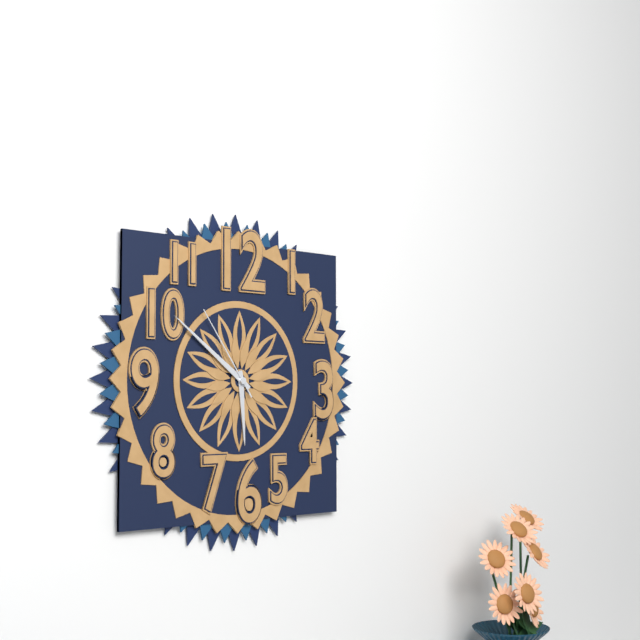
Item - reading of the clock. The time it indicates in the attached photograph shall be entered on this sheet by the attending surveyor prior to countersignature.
5:51:54
